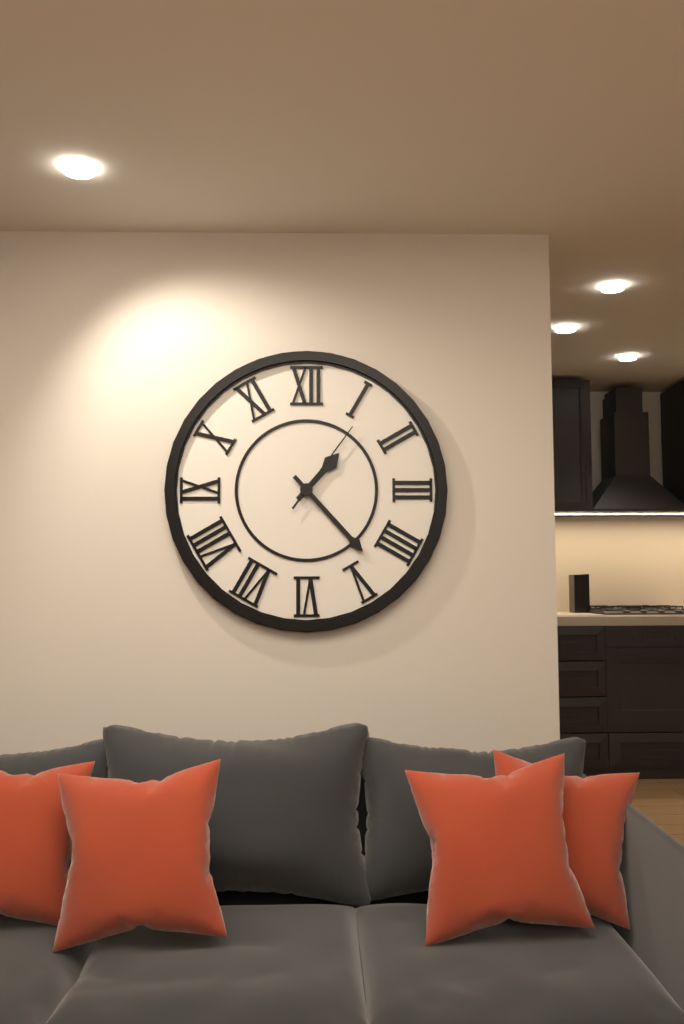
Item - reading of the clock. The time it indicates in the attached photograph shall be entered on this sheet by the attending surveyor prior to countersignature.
1:23:06
